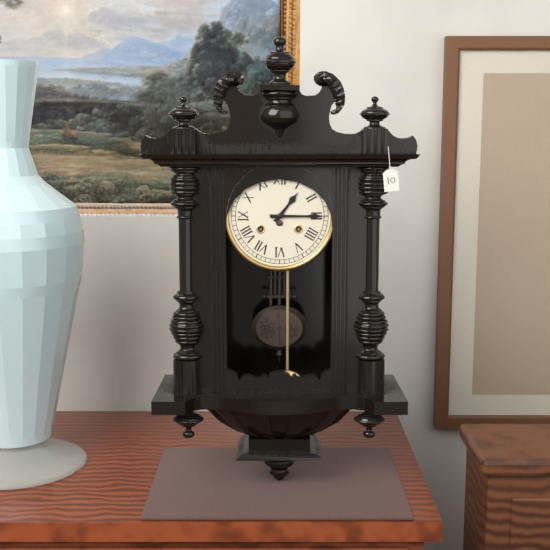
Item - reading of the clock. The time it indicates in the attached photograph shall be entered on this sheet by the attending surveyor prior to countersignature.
1:15
